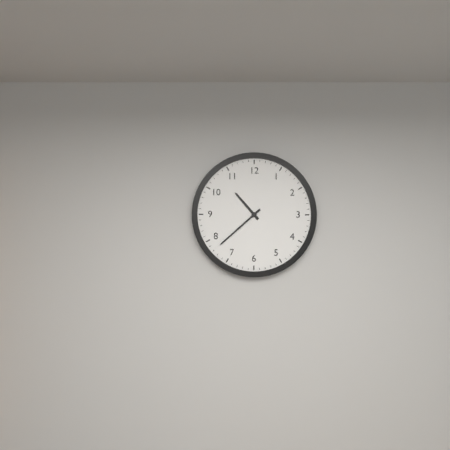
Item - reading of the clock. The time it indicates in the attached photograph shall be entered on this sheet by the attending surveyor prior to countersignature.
10:38
